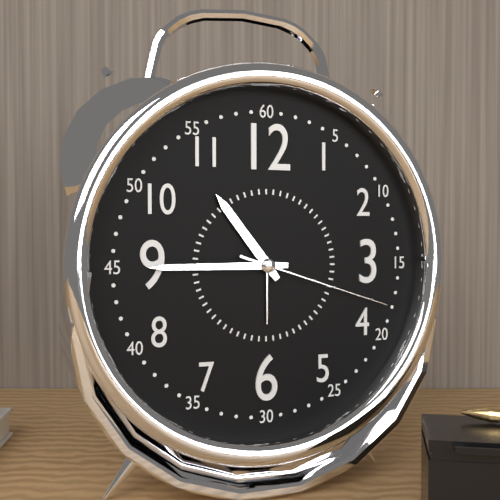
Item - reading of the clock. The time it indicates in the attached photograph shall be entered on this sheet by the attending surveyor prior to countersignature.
10:45:18
